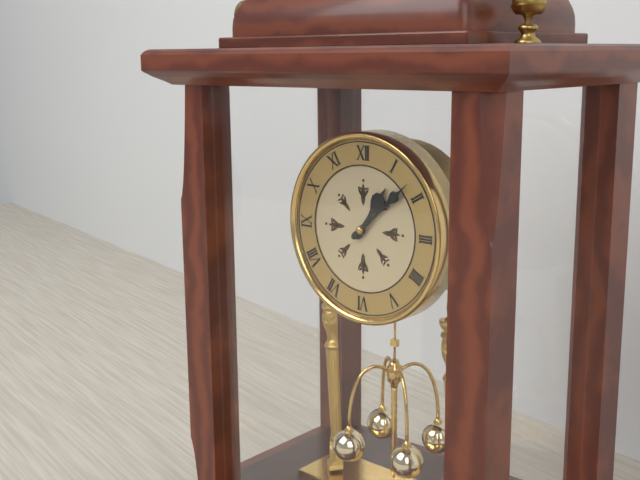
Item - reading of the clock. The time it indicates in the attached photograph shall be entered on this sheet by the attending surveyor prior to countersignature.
1:08
